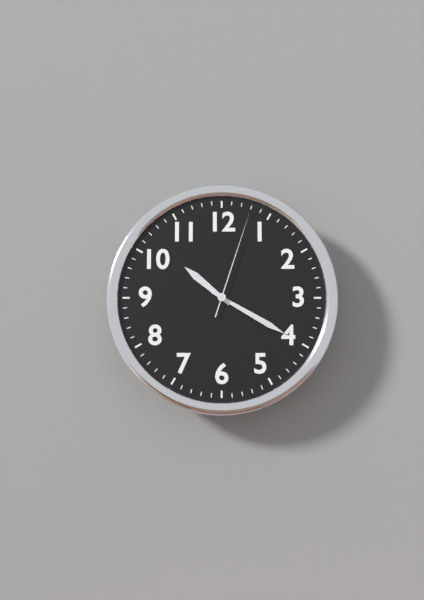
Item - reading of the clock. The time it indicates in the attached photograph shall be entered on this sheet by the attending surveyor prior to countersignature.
10:20:03
